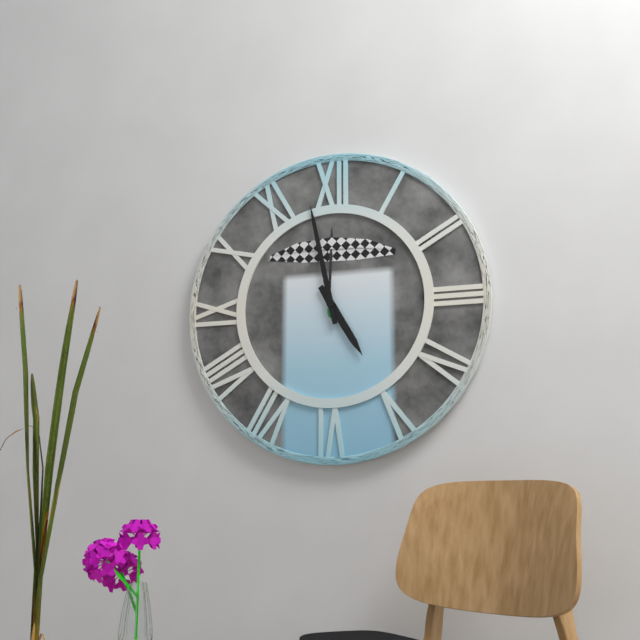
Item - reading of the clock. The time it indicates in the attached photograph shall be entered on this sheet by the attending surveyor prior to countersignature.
4:58
